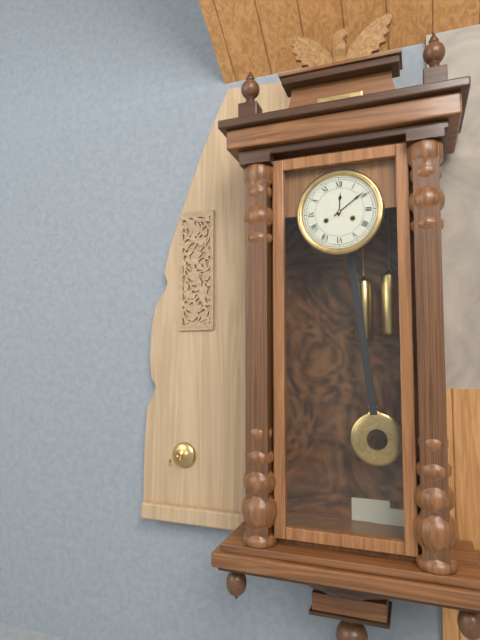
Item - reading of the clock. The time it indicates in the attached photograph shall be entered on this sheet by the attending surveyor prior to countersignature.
12:09
